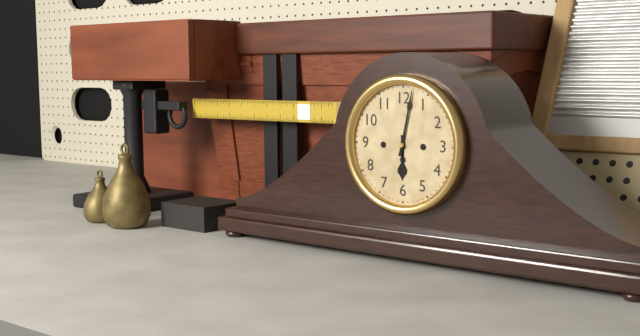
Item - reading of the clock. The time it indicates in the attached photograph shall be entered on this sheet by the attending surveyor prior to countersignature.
6:02
